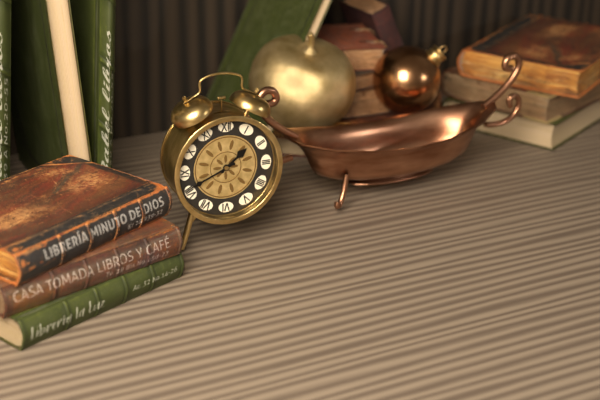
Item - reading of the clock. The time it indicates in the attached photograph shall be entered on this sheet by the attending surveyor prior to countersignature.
1:41
